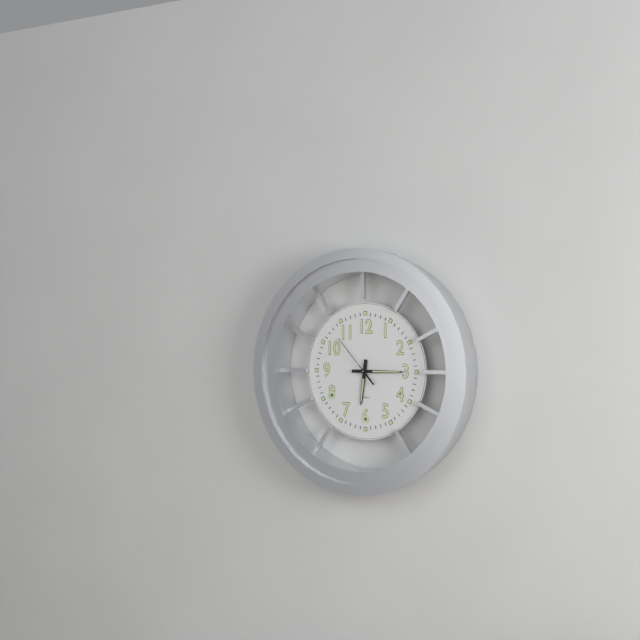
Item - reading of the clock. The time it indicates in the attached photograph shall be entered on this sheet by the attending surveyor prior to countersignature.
6:15:53
